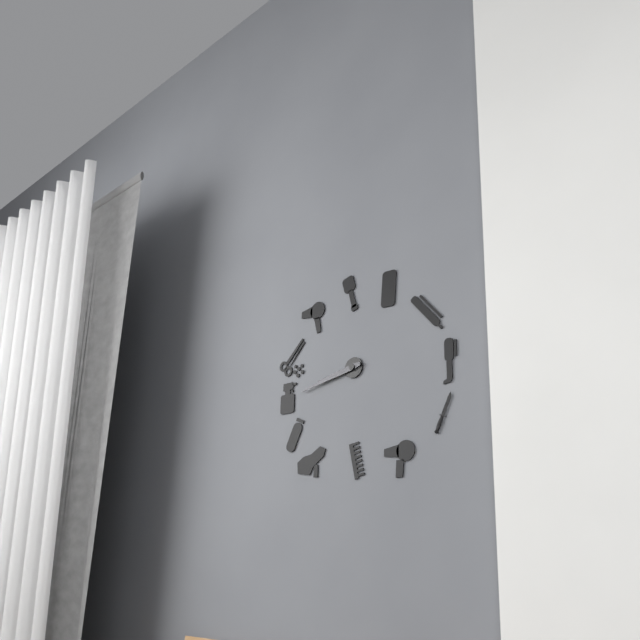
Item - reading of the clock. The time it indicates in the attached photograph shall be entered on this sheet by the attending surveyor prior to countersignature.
8:43
